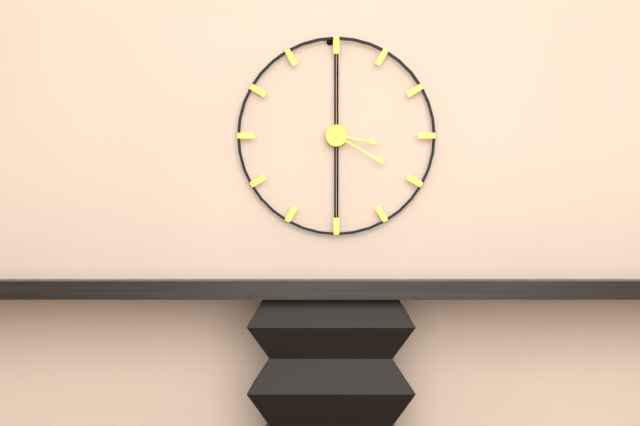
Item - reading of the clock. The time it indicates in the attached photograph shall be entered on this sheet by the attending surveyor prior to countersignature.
3:20
